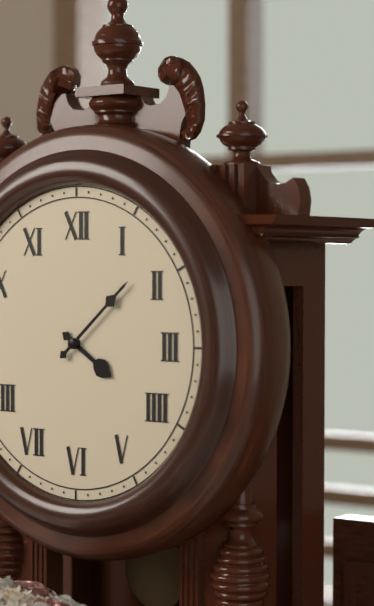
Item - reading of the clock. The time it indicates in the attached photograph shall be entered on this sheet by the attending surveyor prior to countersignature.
4:08
